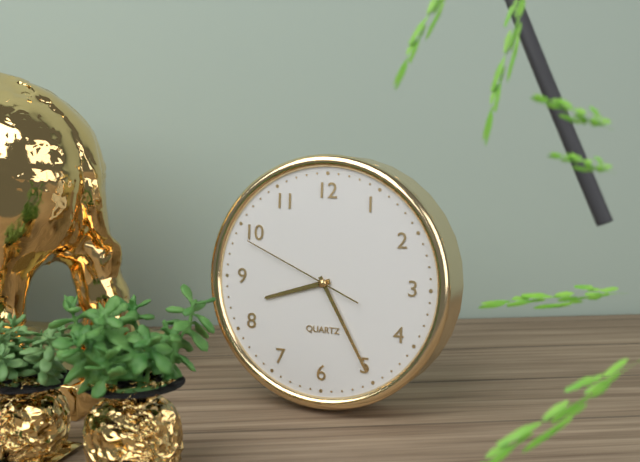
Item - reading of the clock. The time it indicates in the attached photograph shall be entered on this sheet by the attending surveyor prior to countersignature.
8:25:49
